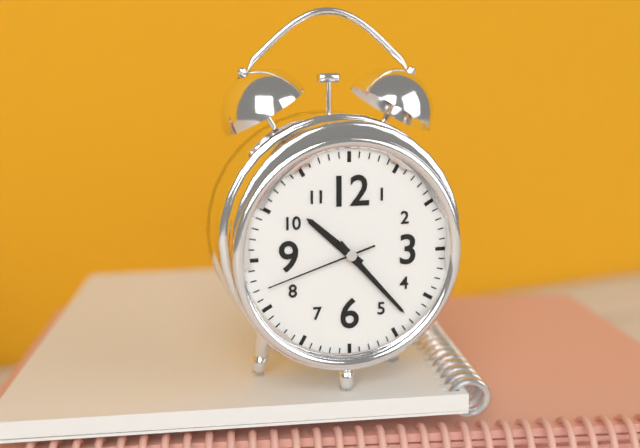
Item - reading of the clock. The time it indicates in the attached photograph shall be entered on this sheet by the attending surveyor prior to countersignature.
10:23:42
